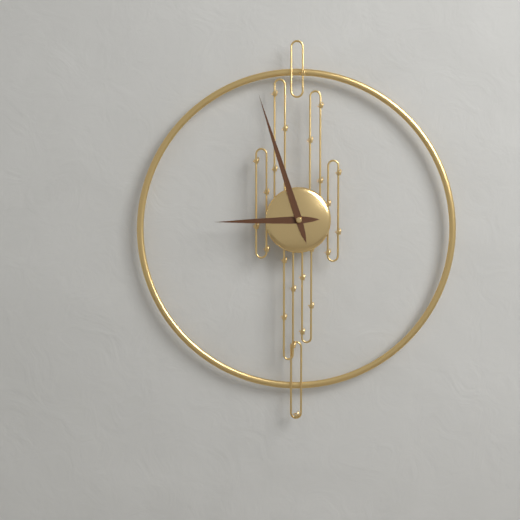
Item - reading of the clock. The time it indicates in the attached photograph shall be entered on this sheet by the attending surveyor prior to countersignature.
8:57
